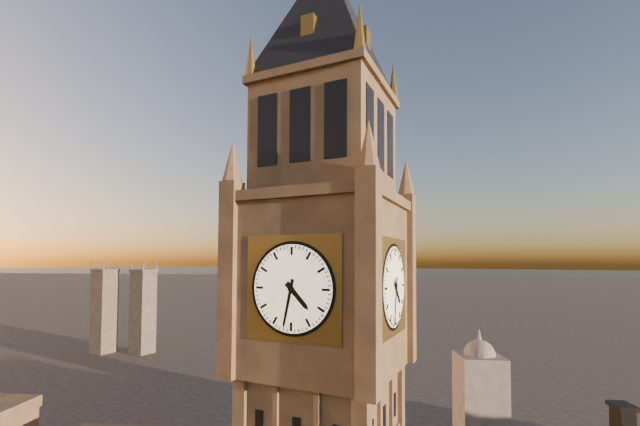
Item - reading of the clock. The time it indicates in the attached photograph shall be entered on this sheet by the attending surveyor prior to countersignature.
4:32
